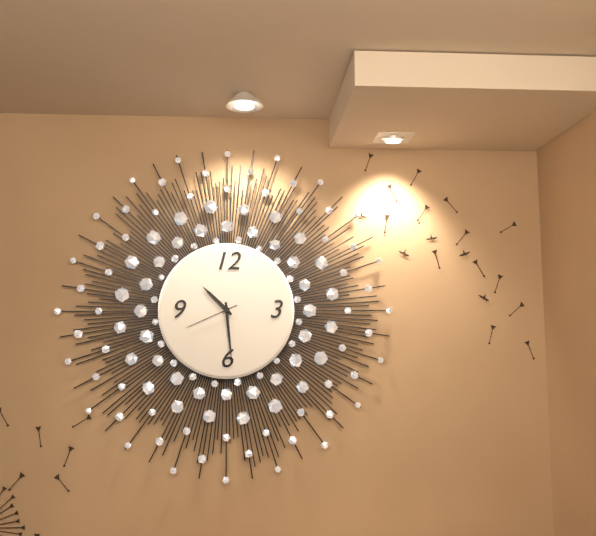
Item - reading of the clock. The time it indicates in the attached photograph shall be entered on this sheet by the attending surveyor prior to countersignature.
10:29:41
